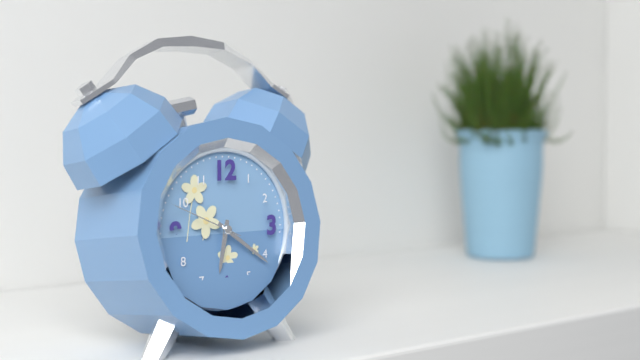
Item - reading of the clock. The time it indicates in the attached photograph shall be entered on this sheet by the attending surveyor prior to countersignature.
6:21:49
